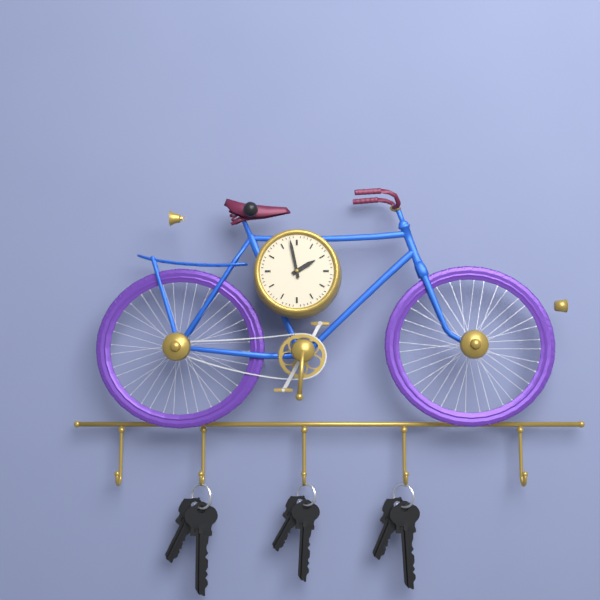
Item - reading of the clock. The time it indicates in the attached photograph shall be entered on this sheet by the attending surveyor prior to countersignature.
1:58
